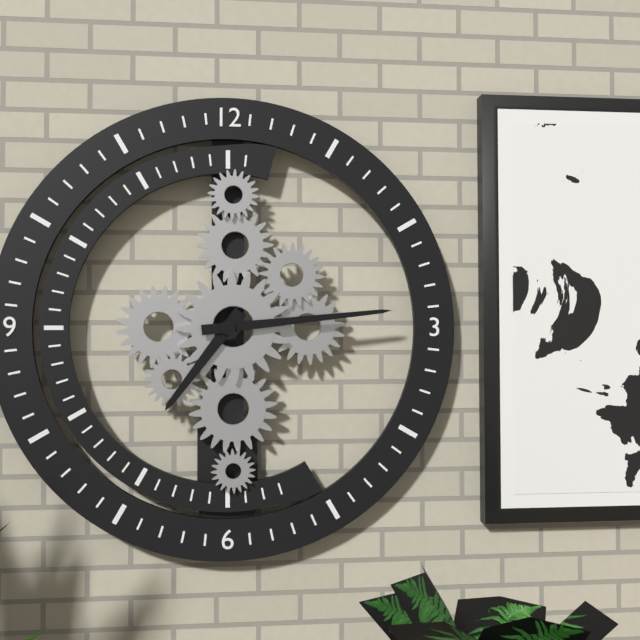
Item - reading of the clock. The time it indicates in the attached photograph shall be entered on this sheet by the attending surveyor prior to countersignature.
7:14
